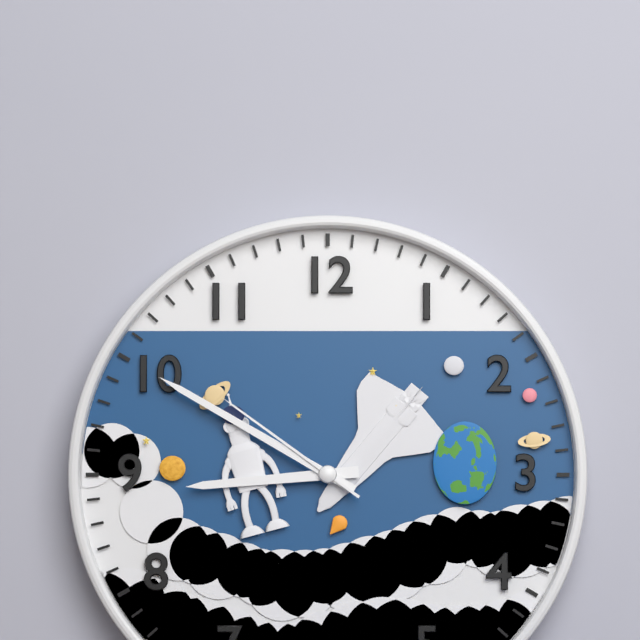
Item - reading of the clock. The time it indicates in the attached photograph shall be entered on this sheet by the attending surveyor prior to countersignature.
8:50:51
